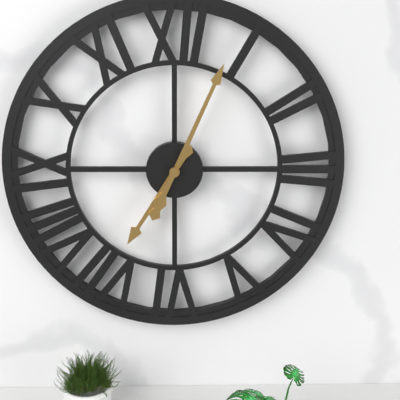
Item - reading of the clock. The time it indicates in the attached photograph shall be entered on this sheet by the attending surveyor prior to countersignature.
7:04
